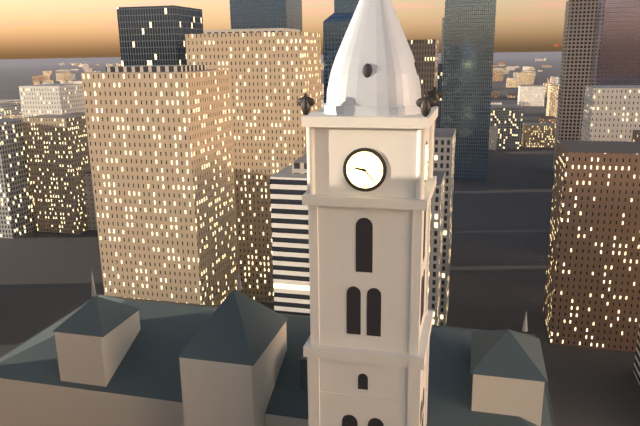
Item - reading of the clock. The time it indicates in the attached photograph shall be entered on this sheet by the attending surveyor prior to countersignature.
9:23
